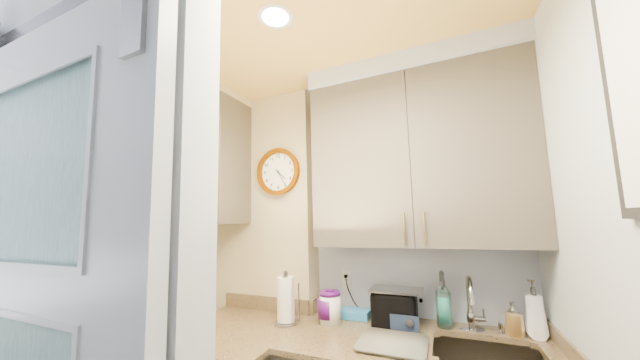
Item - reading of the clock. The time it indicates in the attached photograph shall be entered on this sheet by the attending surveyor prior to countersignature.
4:25
